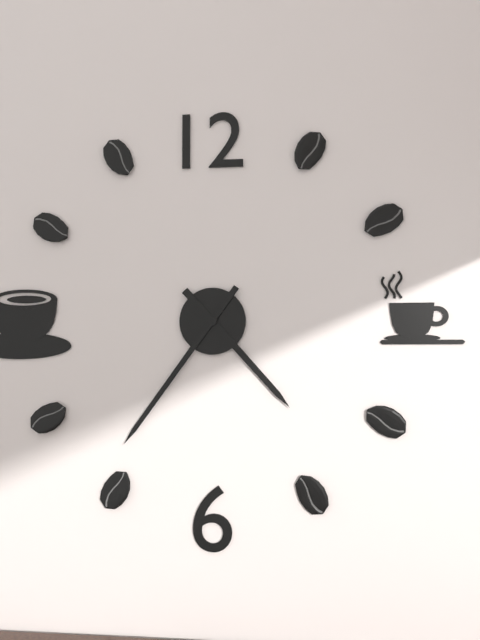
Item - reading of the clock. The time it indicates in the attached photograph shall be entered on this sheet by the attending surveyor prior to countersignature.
4:36
